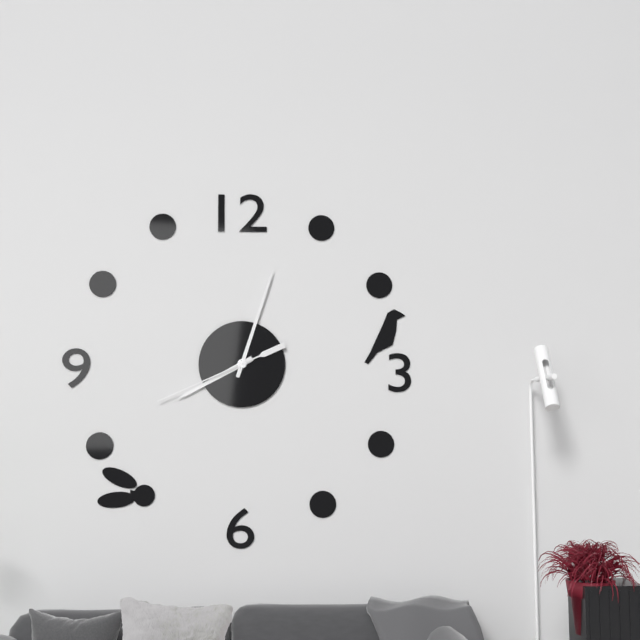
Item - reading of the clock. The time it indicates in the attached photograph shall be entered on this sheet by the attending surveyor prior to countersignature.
8:03:41
